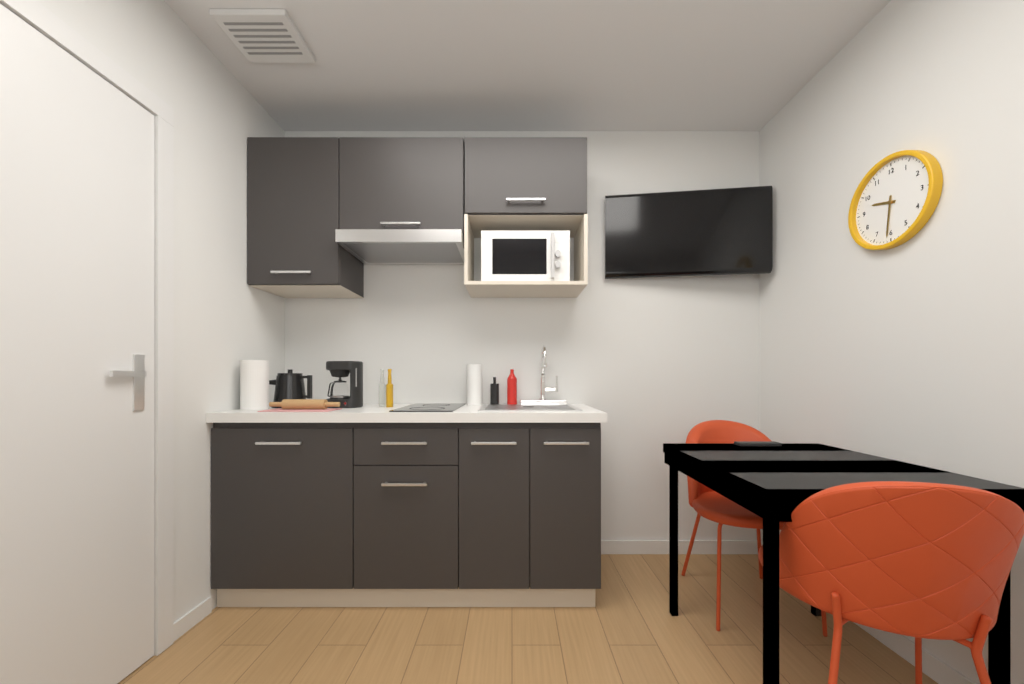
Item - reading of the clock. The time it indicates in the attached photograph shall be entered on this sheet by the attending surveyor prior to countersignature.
9:31
